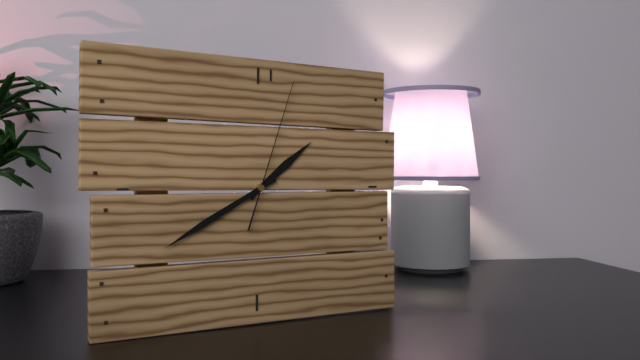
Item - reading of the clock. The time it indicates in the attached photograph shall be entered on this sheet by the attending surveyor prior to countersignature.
1:40:03
